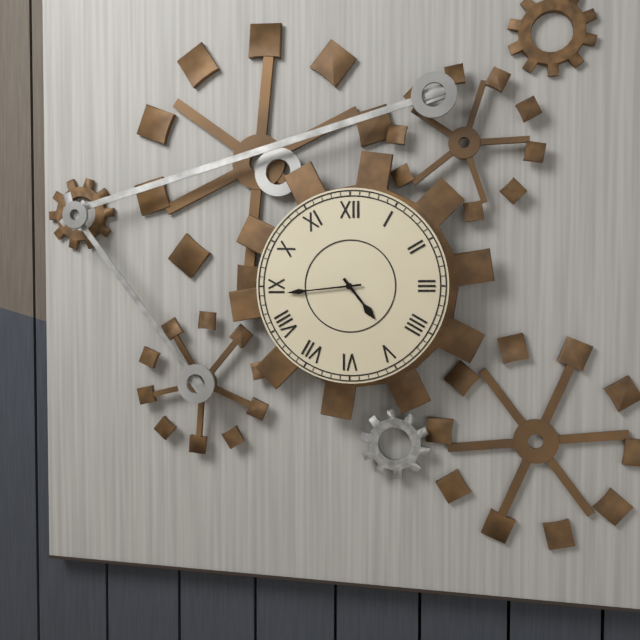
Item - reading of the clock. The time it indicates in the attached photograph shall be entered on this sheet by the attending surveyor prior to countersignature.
4:44
